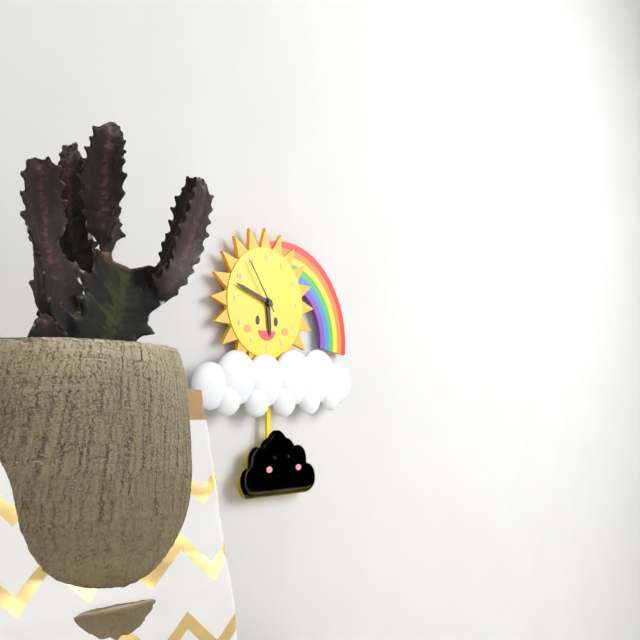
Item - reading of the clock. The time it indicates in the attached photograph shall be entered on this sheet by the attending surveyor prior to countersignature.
5:48:54
